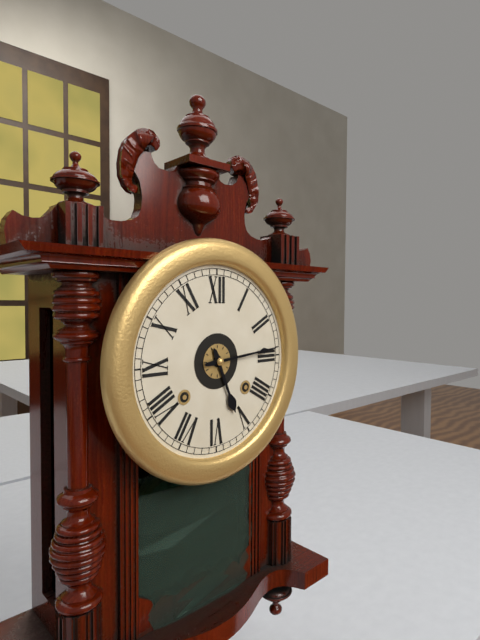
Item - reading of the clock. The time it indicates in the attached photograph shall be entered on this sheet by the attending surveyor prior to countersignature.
5:14
